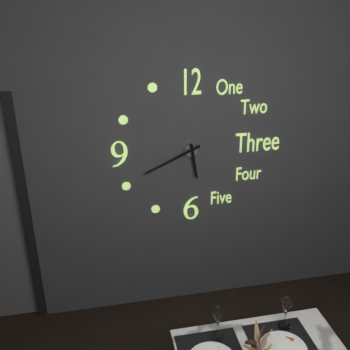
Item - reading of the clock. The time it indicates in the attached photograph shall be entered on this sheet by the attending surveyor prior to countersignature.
5:41
